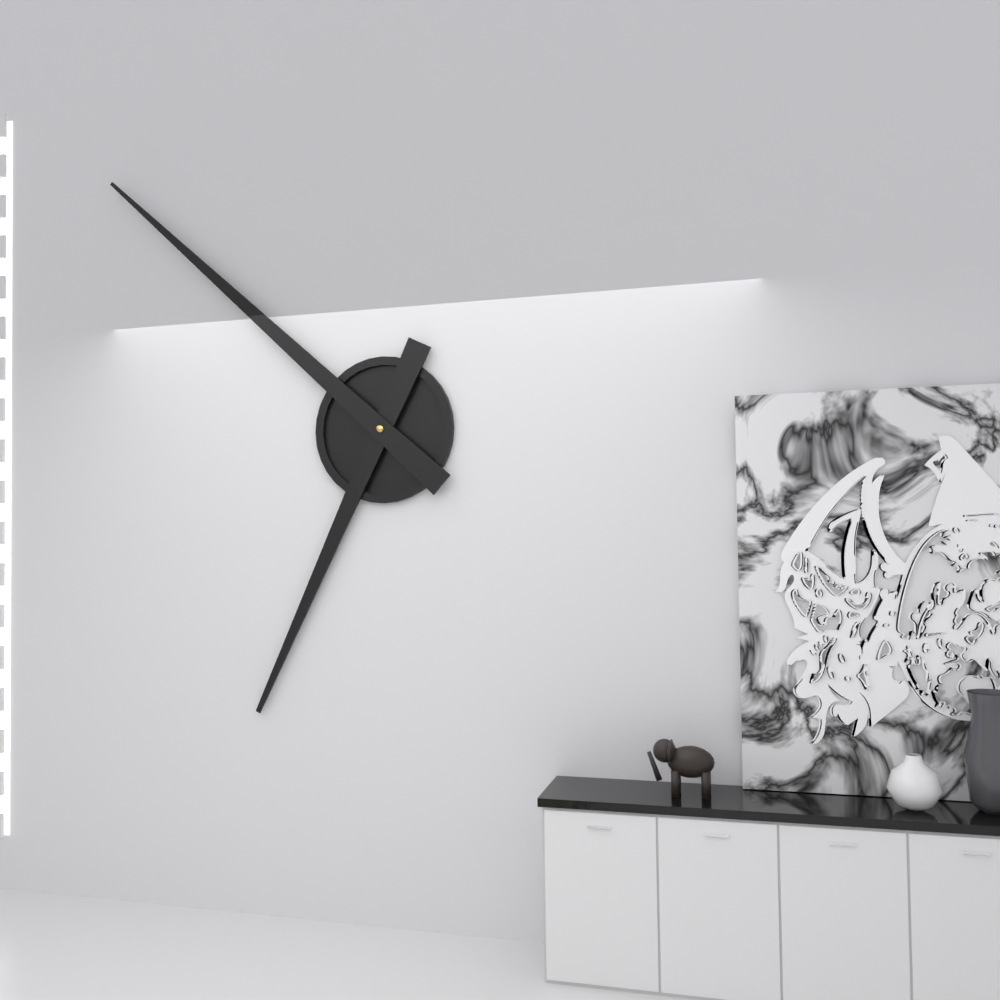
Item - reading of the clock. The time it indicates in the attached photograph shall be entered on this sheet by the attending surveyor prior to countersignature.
6:52
